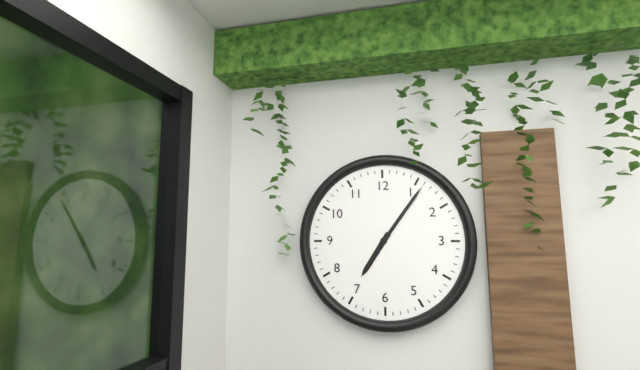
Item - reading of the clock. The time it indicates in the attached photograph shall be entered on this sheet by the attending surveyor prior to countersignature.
7:06
